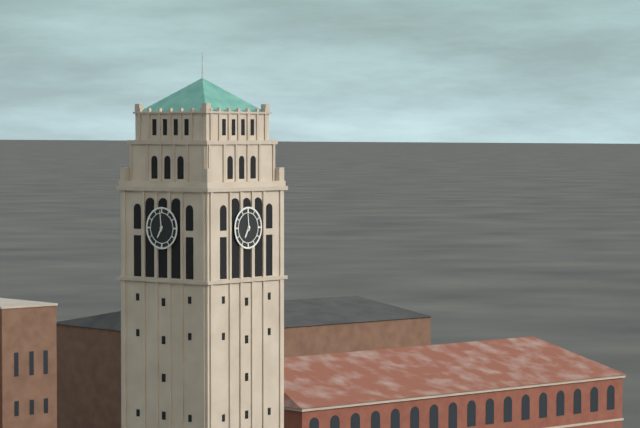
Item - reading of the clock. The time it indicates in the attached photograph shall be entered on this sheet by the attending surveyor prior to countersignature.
6:59
